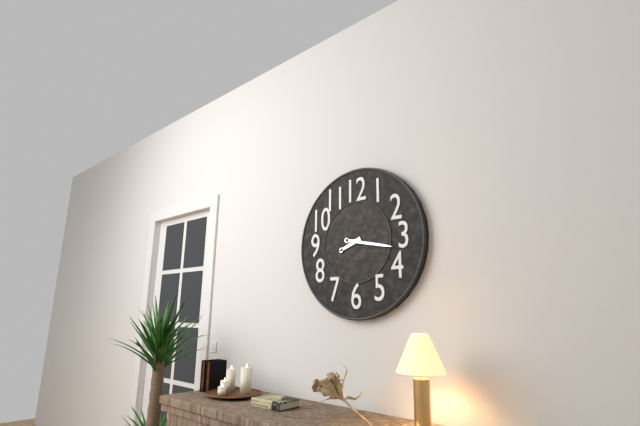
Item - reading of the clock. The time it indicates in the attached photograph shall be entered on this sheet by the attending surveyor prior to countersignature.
8:17
